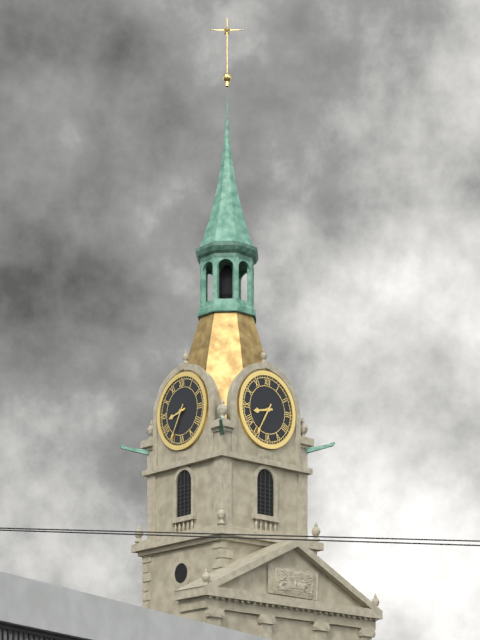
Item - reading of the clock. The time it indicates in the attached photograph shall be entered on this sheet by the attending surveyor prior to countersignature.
8:35
